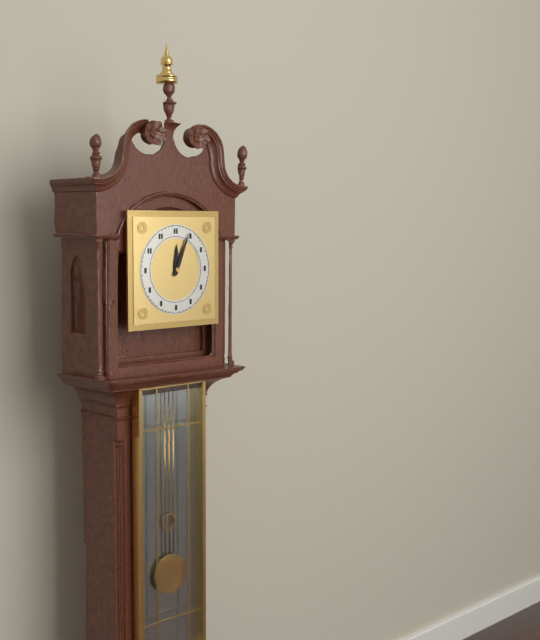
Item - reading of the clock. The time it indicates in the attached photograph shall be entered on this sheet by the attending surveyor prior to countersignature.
12:04
